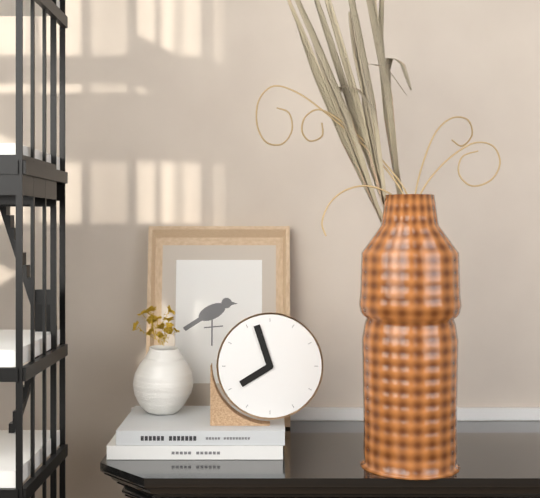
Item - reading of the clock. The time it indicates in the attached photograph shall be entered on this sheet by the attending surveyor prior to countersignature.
7:57
